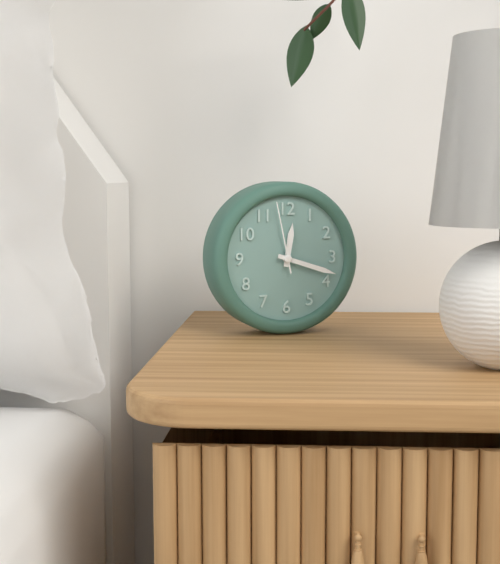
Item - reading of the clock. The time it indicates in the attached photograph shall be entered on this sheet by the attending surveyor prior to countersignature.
12:18:58
